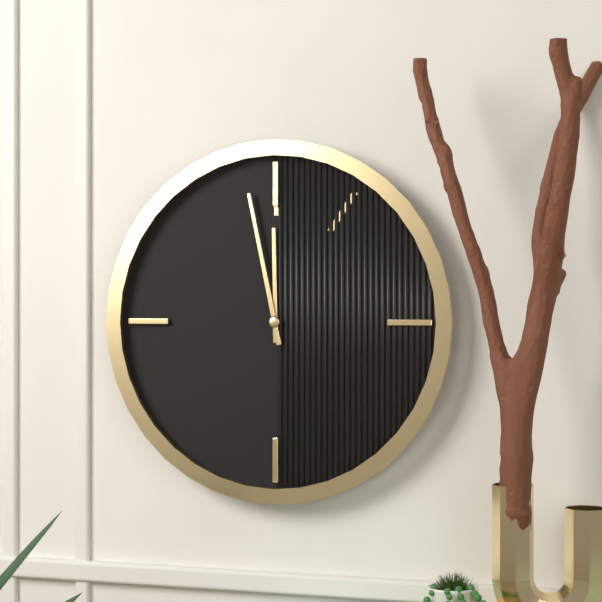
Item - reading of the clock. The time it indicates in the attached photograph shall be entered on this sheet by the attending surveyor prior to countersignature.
11:58
